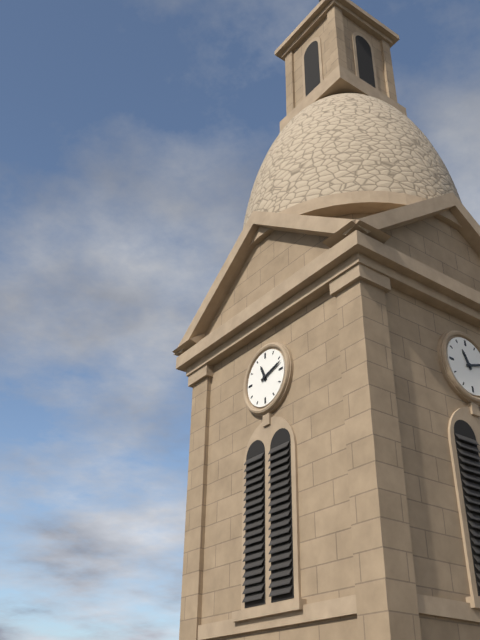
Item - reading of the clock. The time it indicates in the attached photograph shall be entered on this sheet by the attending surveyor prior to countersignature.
11:12
